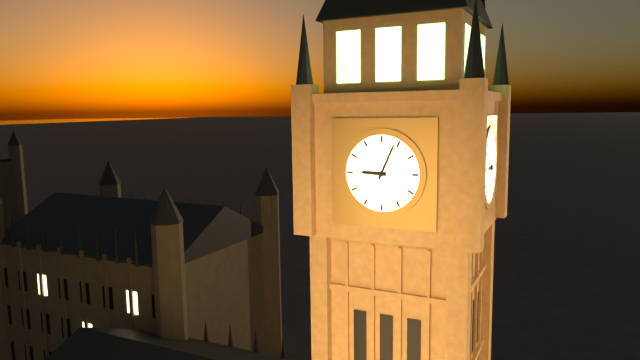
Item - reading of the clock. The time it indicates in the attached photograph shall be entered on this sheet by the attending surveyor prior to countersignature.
9:04
